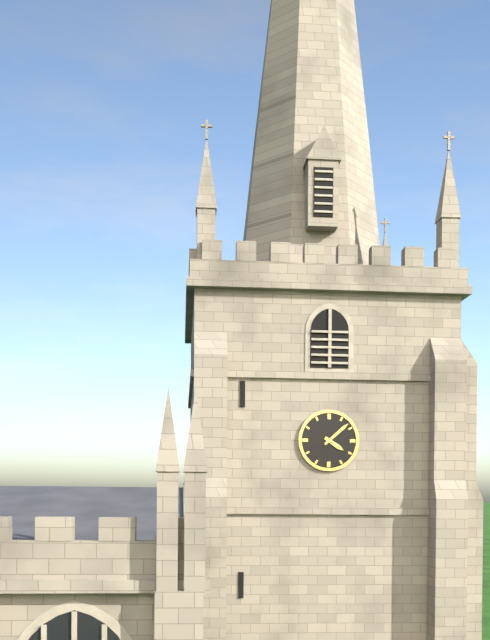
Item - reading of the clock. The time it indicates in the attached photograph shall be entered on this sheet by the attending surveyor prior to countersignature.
4:08
